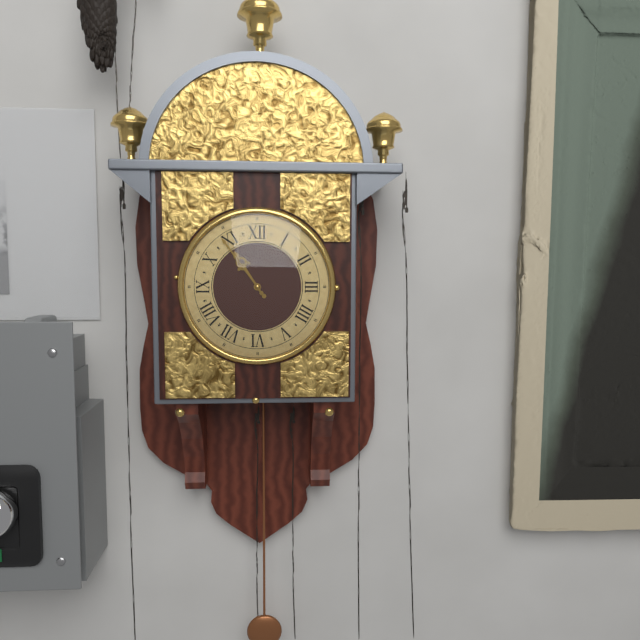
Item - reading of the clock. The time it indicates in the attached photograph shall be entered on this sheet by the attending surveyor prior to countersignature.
10:54
